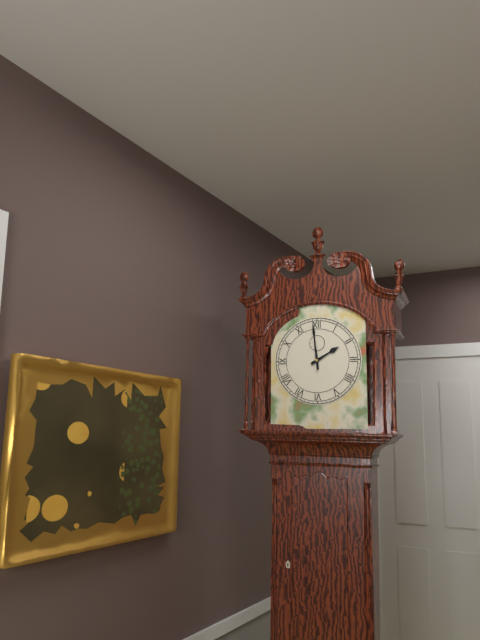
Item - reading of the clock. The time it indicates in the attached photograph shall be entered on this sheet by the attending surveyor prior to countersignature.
1:59
